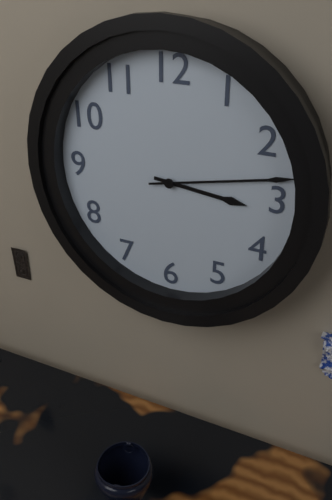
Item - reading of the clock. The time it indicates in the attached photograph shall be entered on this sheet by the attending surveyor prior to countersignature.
3:13
